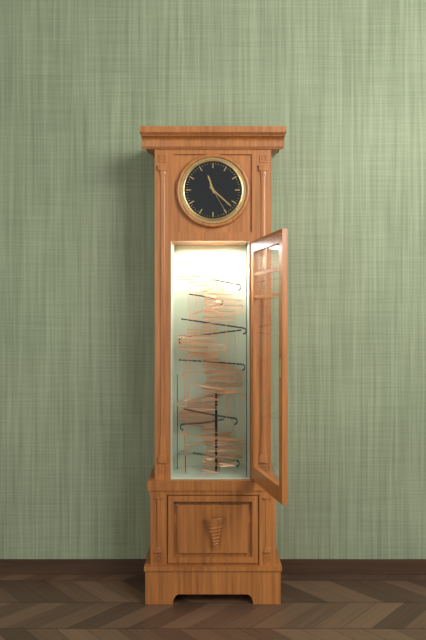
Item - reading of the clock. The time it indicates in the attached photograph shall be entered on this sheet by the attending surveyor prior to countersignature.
11:22
